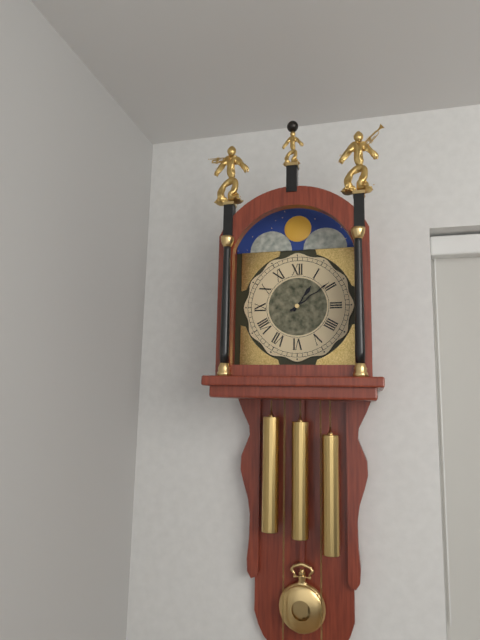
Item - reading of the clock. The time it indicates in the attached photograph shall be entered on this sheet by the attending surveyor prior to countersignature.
1:09
